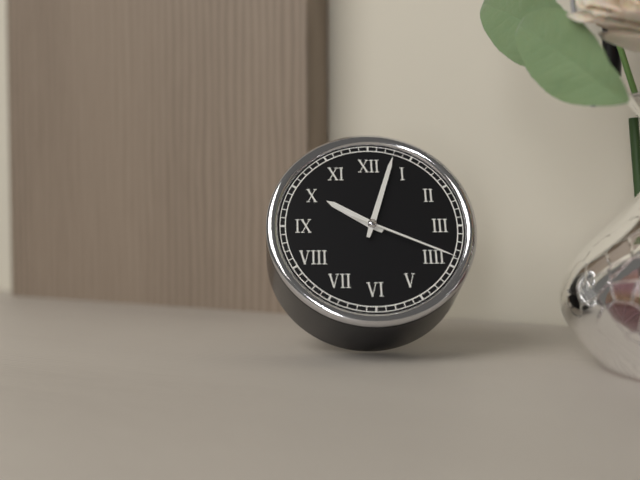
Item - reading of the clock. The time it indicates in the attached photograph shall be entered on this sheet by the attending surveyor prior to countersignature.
10:03:19
